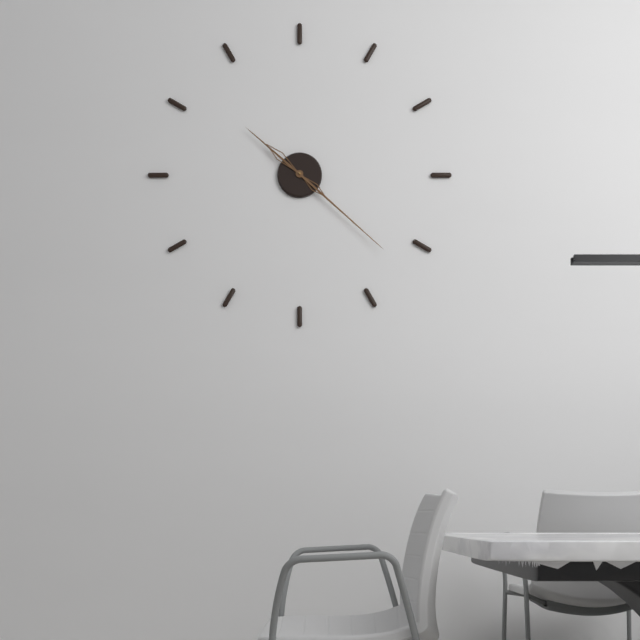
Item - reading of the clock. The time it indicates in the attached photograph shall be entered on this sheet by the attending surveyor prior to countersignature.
10:22
